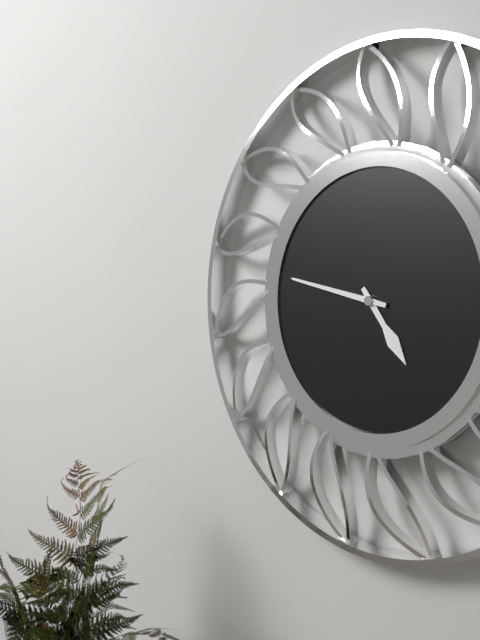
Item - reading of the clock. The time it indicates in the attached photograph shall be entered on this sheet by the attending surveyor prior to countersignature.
4:47
